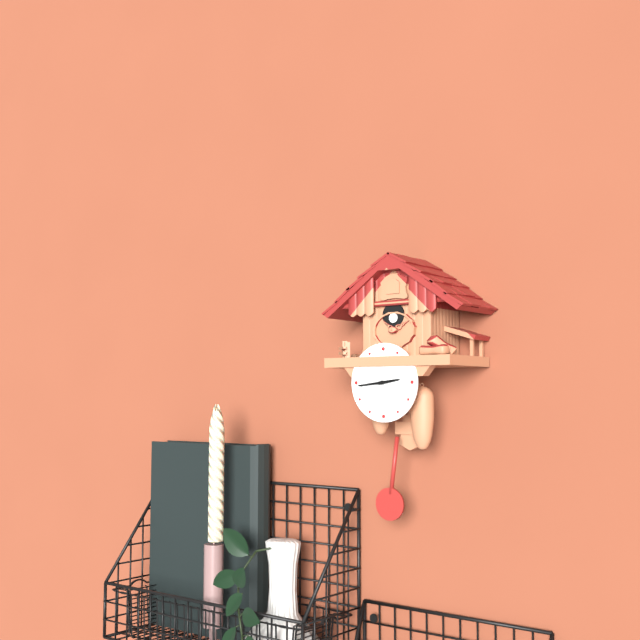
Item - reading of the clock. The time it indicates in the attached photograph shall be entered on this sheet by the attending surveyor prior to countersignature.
2:44
